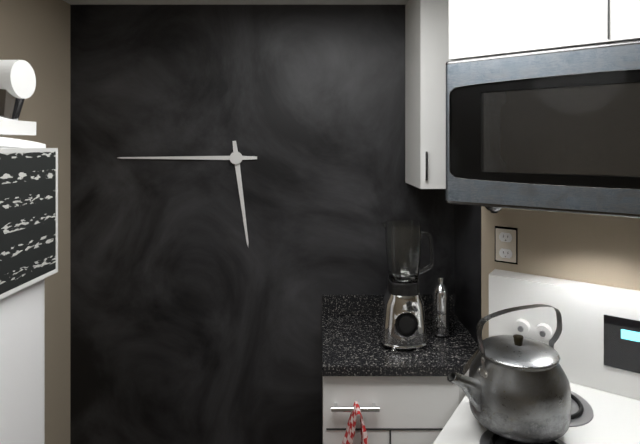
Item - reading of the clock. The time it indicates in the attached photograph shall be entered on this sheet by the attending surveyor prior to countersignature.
5:45
